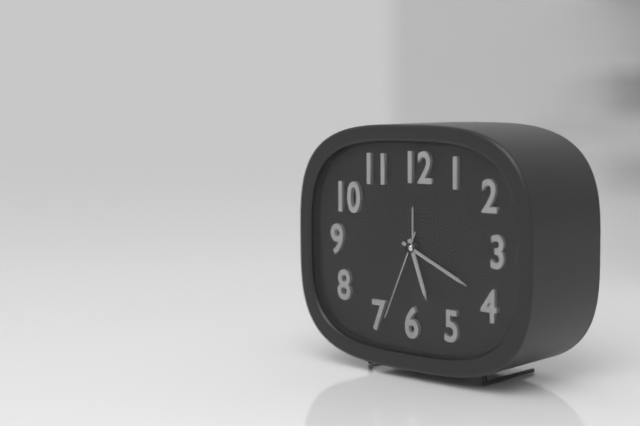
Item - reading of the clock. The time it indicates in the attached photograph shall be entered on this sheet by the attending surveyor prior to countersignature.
5:19:34
